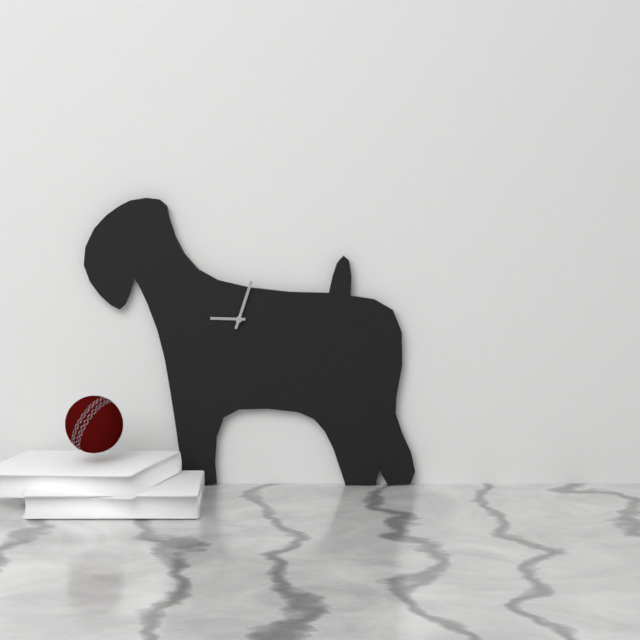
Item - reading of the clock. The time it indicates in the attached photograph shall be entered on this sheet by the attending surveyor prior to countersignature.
9:03
